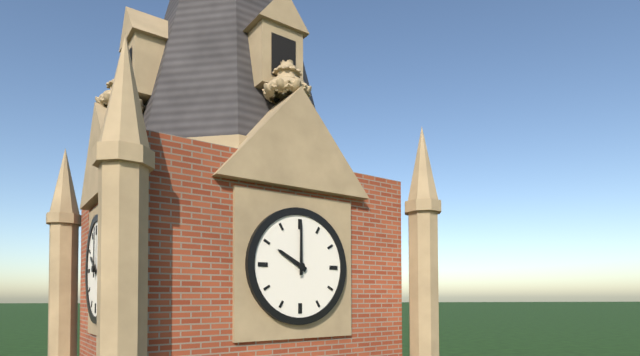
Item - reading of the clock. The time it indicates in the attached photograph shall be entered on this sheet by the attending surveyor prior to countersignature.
10:00
